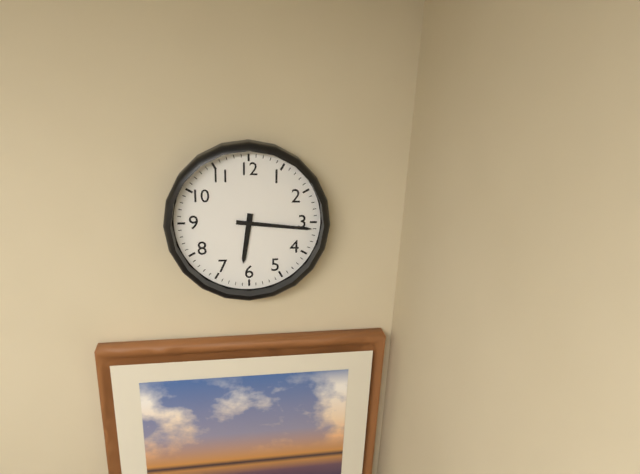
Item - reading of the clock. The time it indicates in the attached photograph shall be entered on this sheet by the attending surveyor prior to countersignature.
6:16
